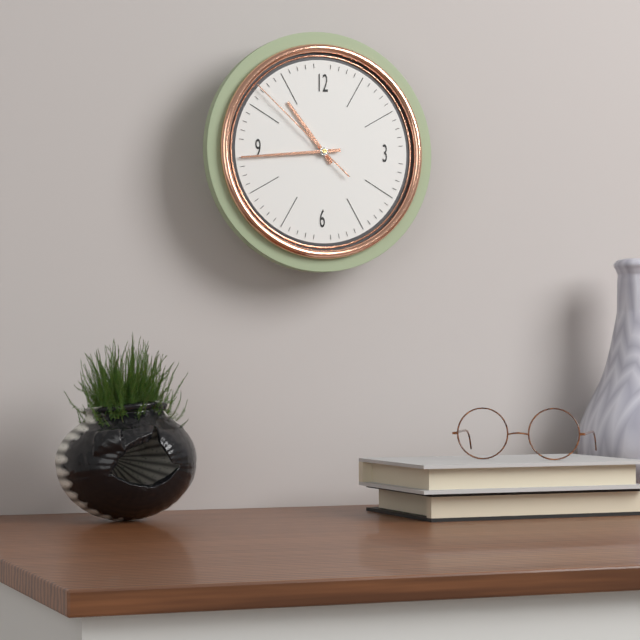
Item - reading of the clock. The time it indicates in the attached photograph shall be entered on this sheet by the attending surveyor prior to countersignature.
10:44:52
